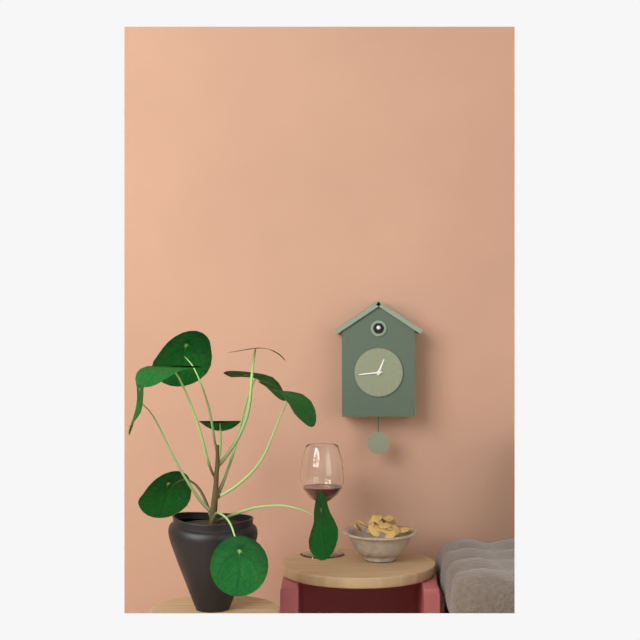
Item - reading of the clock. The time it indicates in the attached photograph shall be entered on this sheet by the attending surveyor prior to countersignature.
12:44
